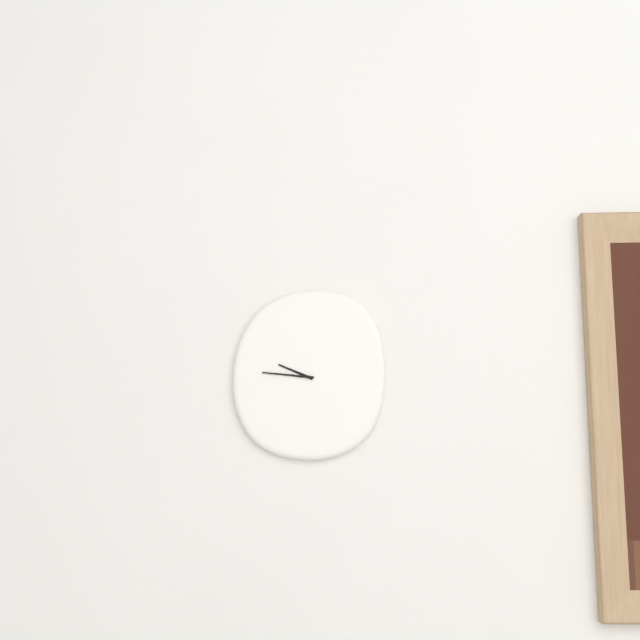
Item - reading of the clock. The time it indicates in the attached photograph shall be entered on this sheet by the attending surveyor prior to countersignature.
9:46
